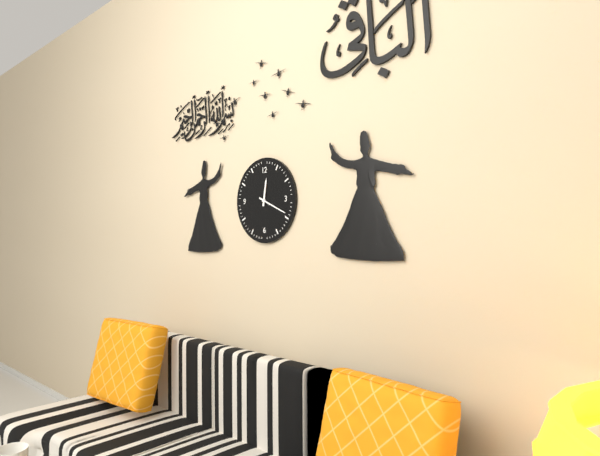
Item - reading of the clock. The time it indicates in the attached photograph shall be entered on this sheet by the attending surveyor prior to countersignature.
12:19
